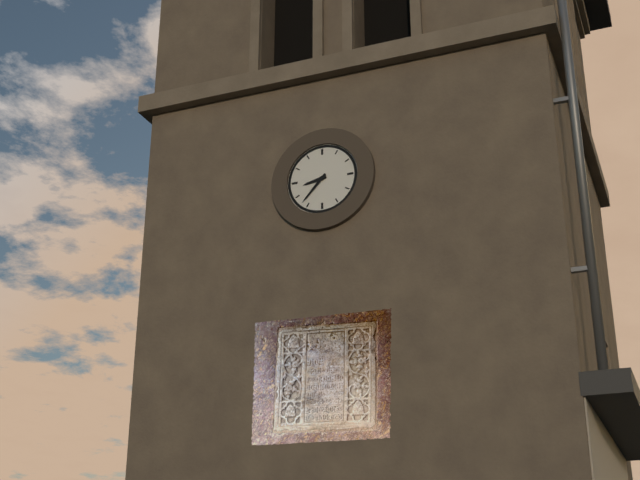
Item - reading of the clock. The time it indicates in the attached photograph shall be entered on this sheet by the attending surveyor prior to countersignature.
8:37
